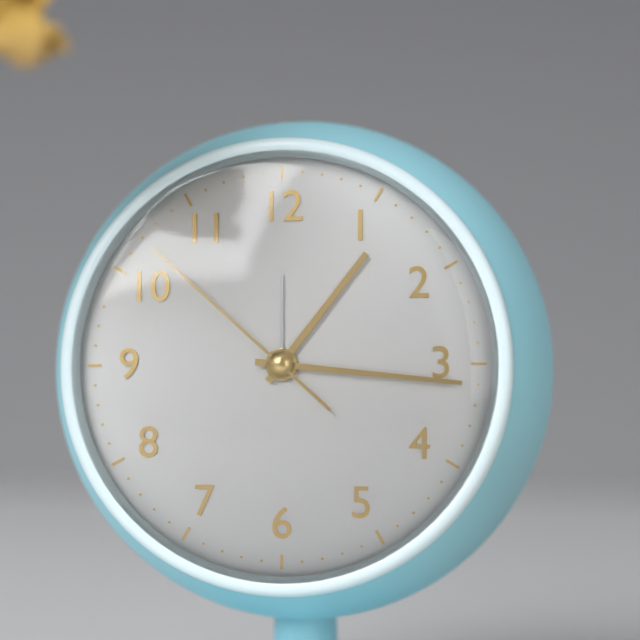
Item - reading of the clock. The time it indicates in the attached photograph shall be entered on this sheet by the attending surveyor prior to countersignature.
1:16:52
